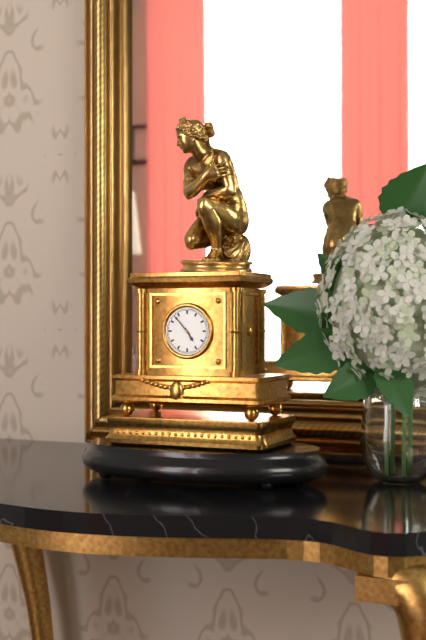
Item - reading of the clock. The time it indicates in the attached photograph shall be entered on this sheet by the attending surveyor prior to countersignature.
4:53
